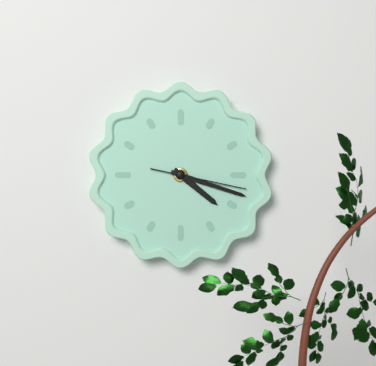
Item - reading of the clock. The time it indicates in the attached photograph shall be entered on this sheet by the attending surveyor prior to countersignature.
4:18:17
